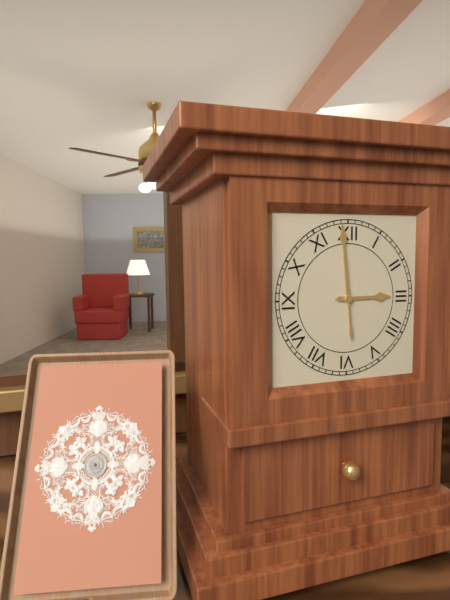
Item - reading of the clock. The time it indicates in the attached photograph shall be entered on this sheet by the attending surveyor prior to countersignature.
2:59
